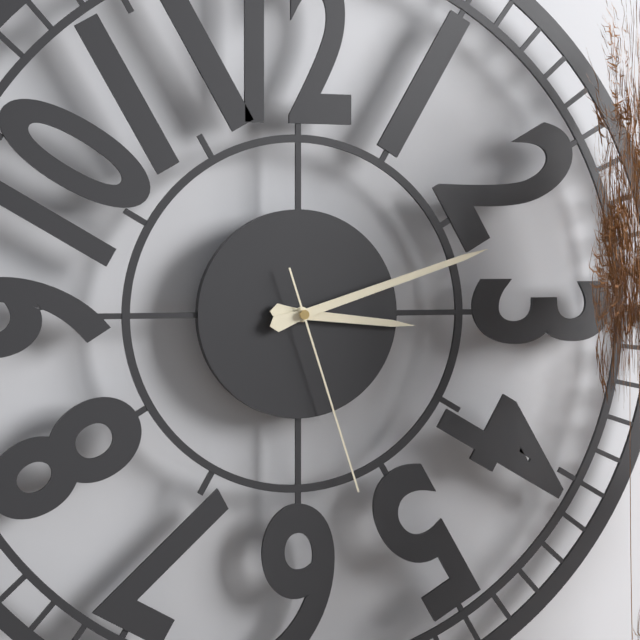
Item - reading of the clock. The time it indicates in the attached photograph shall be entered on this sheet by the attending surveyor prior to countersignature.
3:12:27
